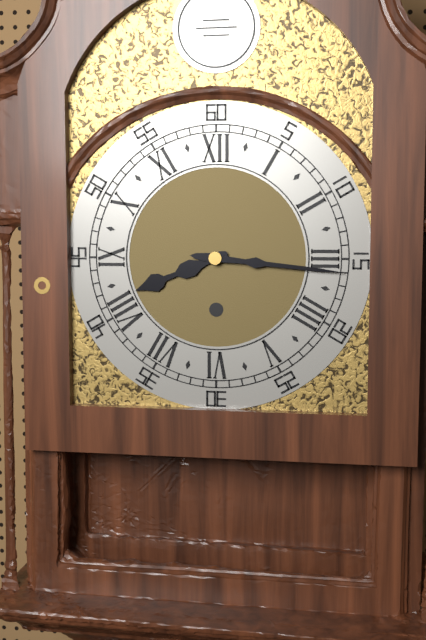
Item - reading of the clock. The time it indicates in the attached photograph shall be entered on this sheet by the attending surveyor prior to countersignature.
8:16
